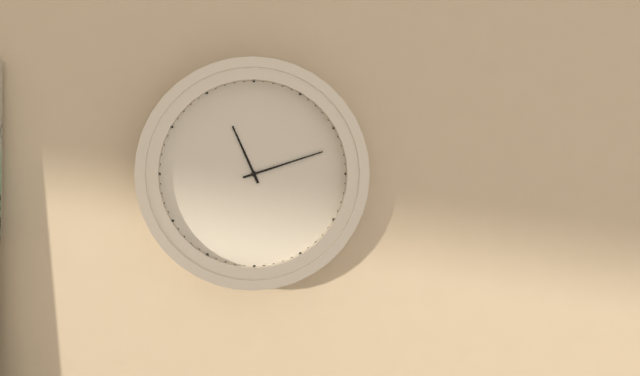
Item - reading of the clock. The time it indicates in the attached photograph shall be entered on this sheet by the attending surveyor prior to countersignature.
11:12
